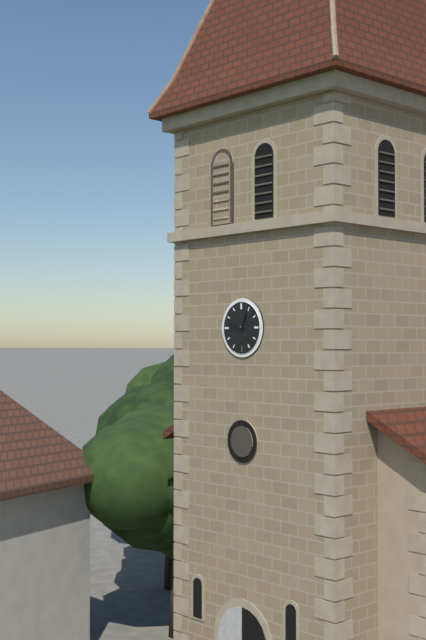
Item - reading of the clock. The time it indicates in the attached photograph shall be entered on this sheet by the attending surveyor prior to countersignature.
12:47
